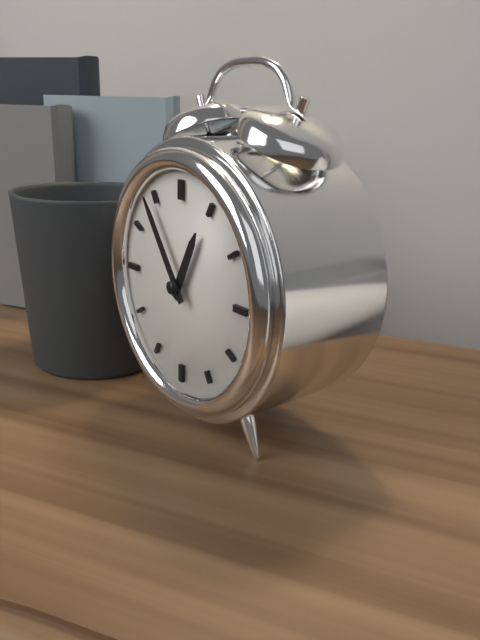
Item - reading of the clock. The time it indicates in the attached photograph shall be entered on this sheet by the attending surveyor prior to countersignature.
12:54
